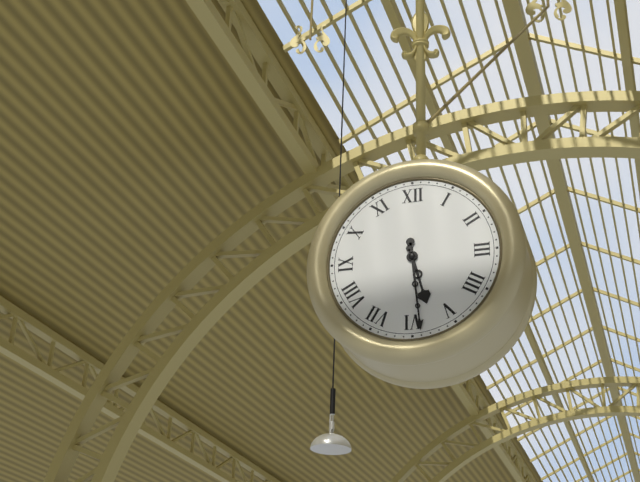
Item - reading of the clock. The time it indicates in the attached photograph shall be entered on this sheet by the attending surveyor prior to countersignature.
5:29
